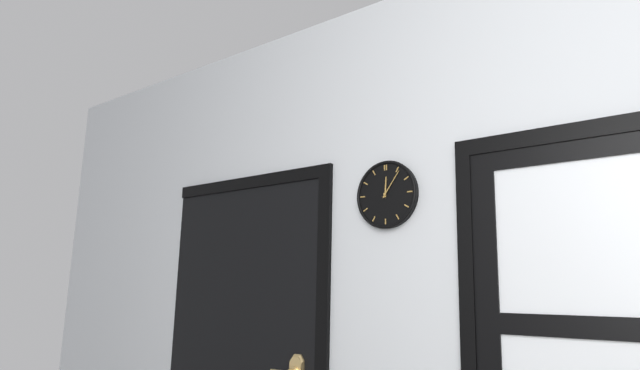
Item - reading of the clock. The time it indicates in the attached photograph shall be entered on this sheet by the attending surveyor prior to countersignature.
12:06
